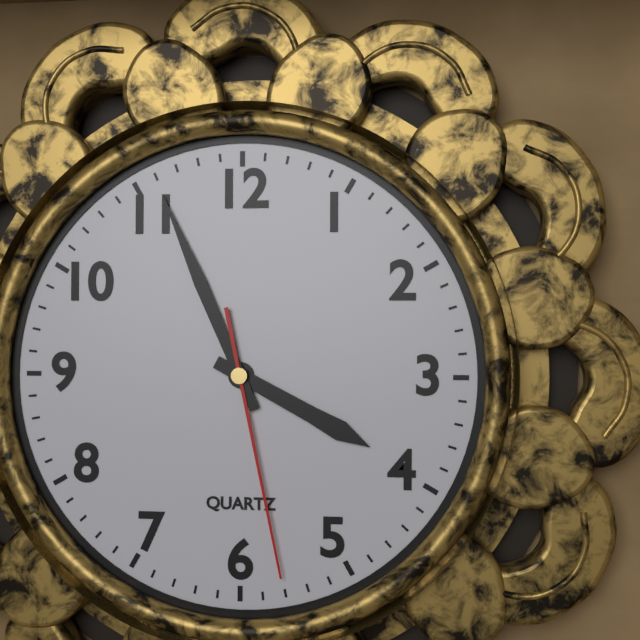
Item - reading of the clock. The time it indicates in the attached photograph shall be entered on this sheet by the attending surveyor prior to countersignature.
3:56:28
